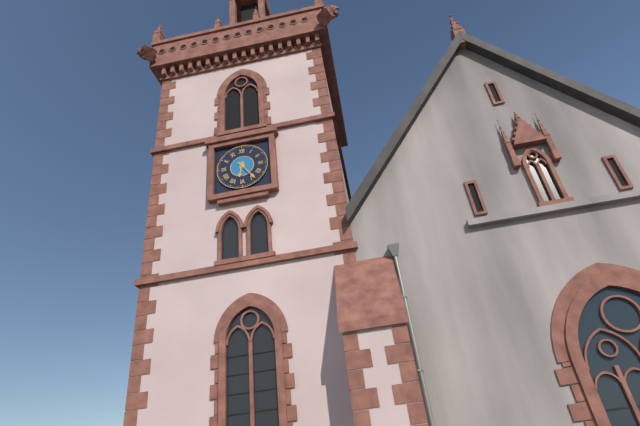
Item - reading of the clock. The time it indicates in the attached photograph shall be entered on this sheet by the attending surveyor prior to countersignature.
6:24
